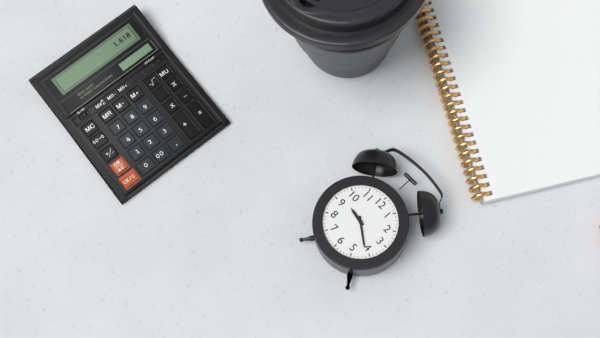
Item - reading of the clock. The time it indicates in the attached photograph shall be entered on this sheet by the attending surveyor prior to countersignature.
9:21
